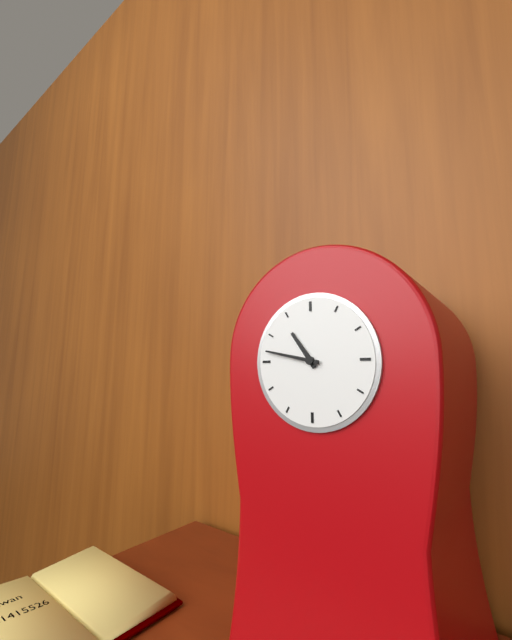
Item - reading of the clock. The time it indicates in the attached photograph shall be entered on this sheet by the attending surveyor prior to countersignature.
10:47
